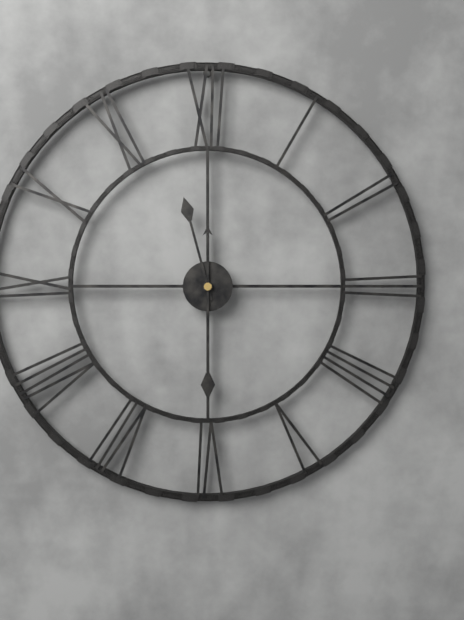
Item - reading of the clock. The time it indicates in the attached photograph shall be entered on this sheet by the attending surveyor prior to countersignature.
11:30
